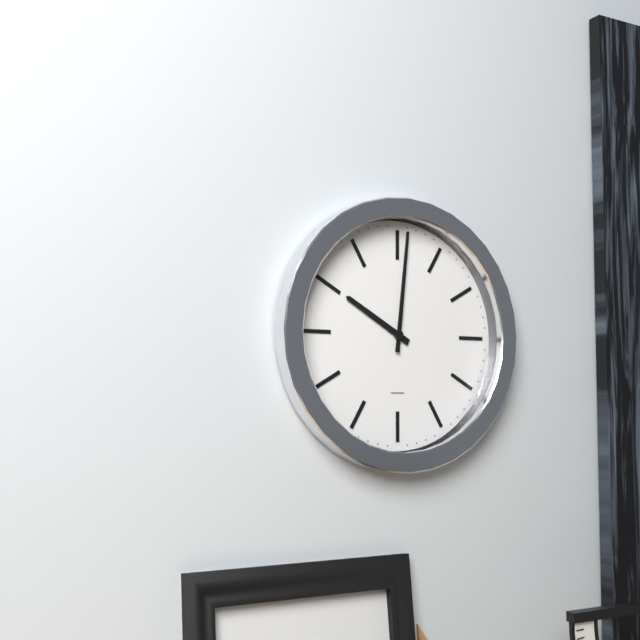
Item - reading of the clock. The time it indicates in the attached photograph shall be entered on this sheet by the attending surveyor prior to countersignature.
10:01
